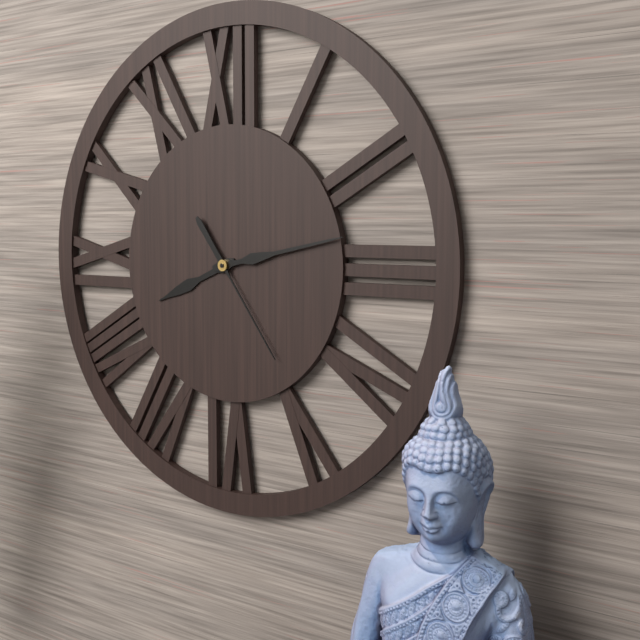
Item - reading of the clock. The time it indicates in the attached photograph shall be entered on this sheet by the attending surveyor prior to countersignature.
8:13:24
